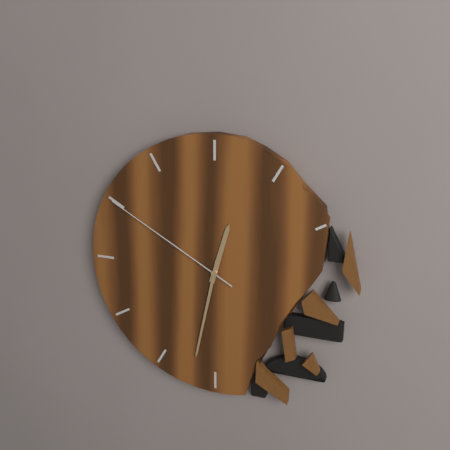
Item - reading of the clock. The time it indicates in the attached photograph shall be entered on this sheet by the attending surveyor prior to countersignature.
12:32:50
